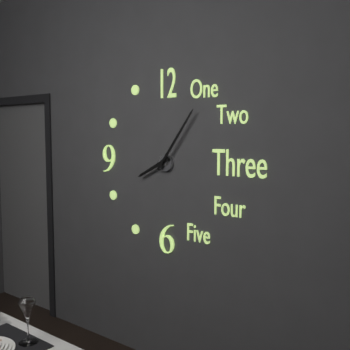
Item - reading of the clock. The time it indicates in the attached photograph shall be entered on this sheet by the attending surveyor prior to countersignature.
8:06
